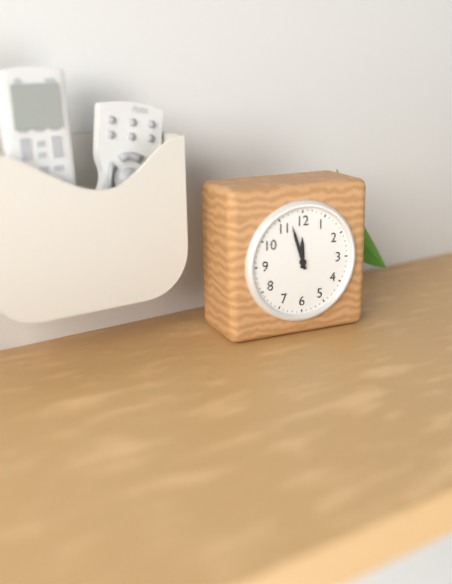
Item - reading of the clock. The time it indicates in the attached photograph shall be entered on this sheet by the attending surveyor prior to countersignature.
11:57
